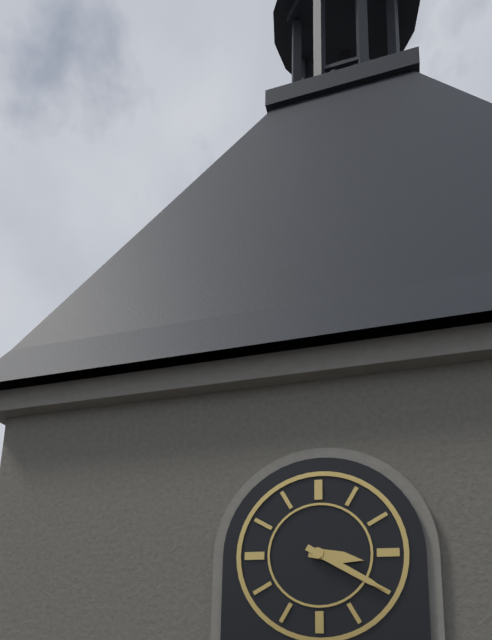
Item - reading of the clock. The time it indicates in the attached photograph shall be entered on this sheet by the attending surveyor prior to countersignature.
3:20
